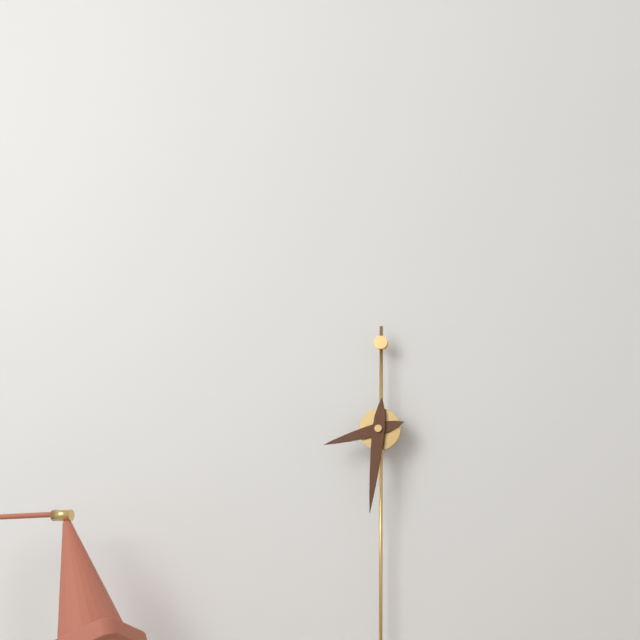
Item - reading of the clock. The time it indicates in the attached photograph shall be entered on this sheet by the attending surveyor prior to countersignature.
8:31
